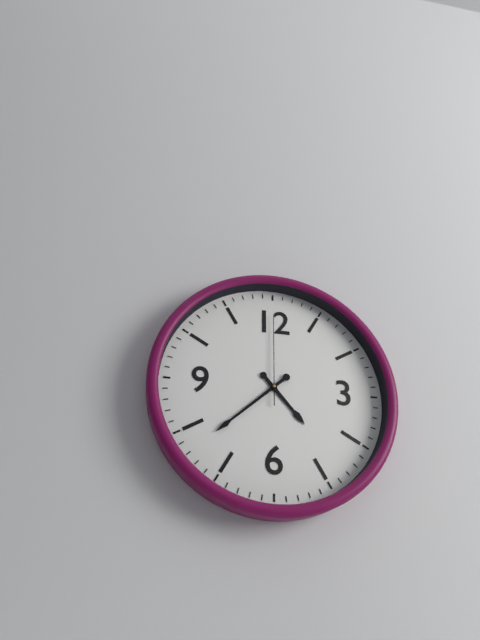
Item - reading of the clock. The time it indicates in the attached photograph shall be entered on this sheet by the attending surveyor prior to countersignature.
4:38:00
